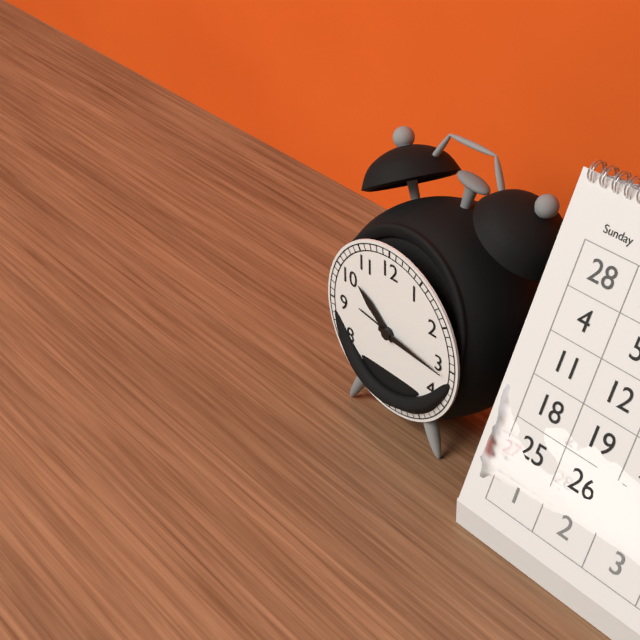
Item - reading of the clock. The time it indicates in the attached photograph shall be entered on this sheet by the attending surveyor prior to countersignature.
10:16
